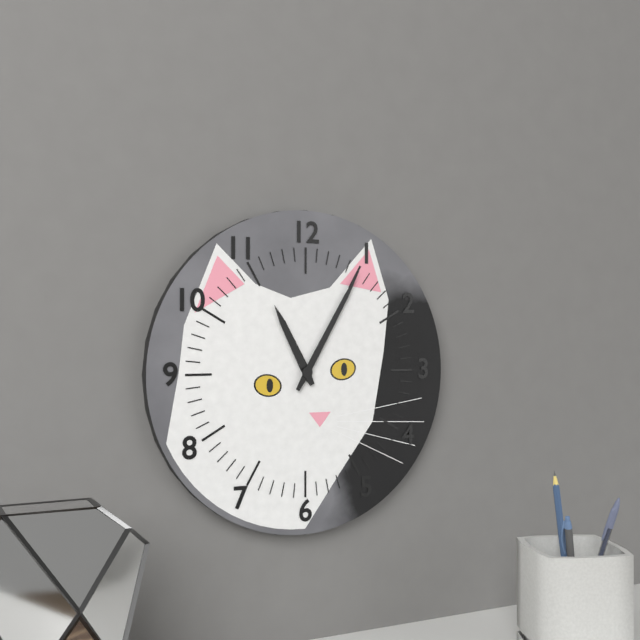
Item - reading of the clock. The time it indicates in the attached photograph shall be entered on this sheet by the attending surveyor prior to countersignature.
11:05
